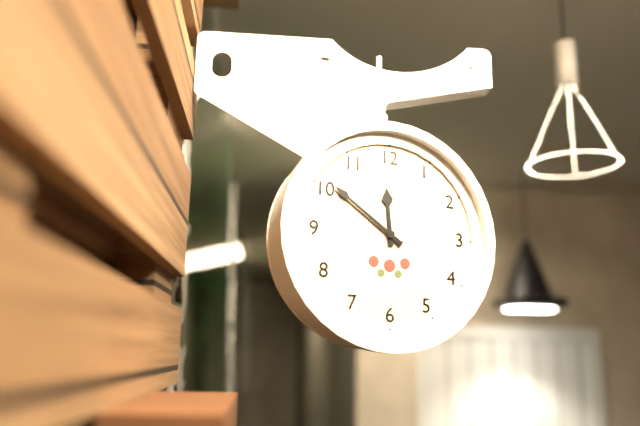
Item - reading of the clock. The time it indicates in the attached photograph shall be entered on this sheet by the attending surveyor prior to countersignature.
11:51
